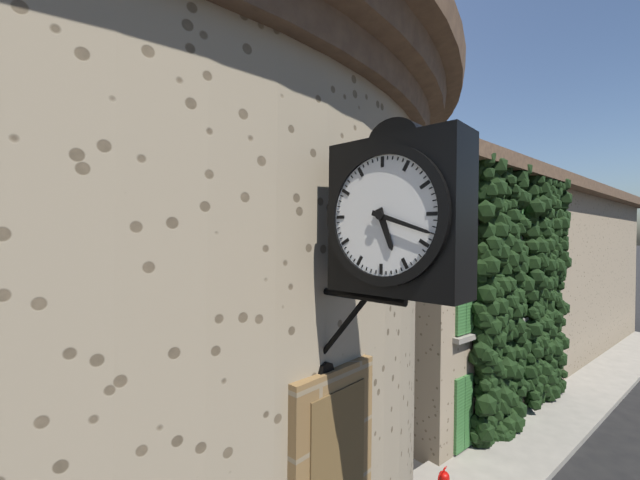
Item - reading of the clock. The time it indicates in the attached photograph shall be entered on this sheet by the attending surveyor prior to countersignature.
5:18
